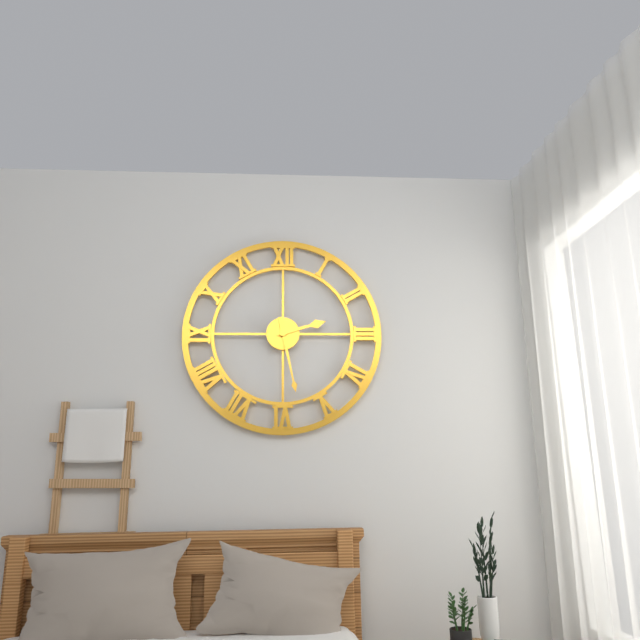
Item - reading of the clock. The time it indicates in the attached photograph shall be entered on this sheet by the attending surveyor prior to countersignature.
2:28
